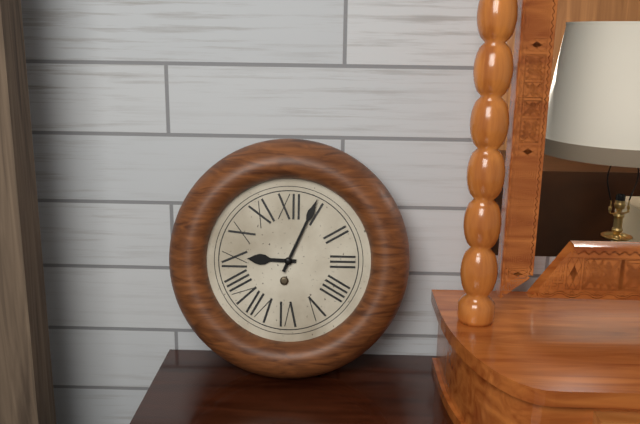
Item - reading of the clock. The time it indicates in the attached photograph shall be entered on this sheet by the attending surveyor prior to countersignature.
9:04
